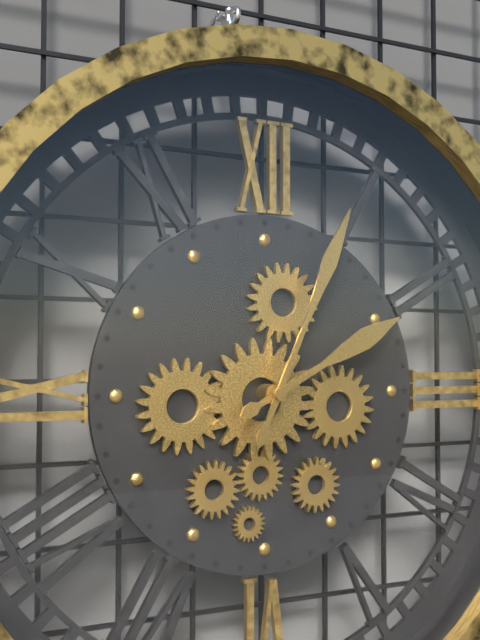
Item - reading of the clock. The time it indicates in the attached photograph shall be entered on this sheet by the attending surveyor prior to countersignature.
2:04
